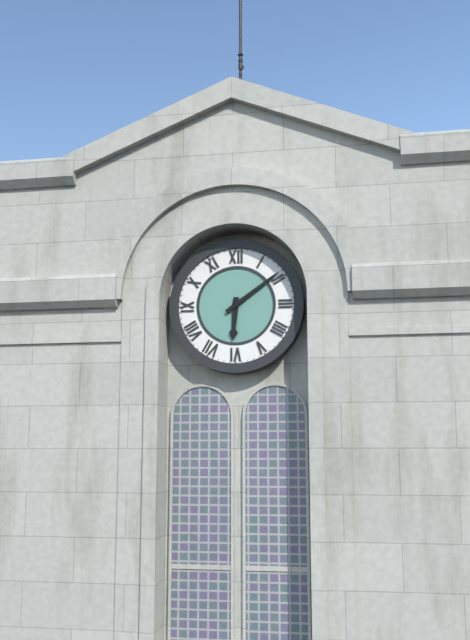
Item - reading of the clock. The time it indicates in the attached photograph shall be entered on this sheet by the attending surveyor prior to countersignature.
6:09
